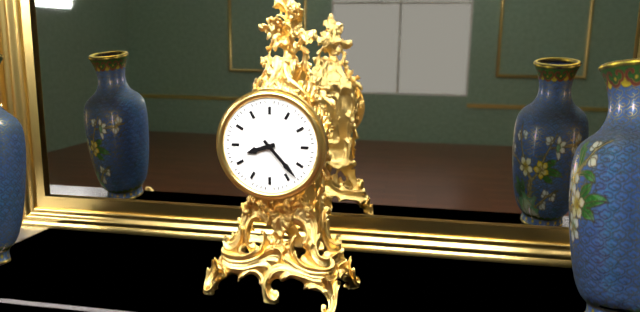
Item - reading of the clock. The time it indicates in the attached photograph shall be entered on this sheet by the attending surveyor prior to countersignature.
8:23
